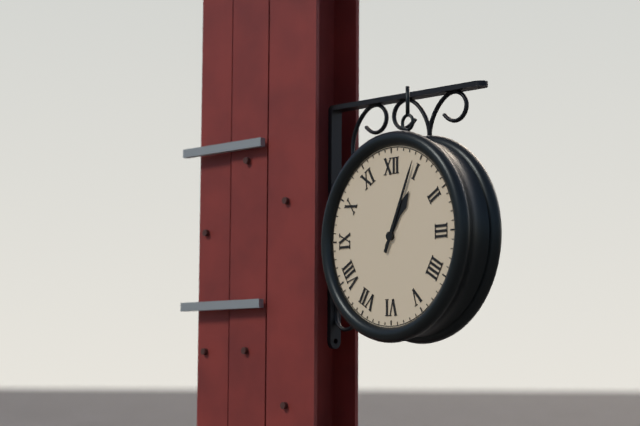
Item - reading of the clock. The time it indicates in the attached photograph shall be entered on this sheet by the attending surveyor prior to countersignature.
1:04
